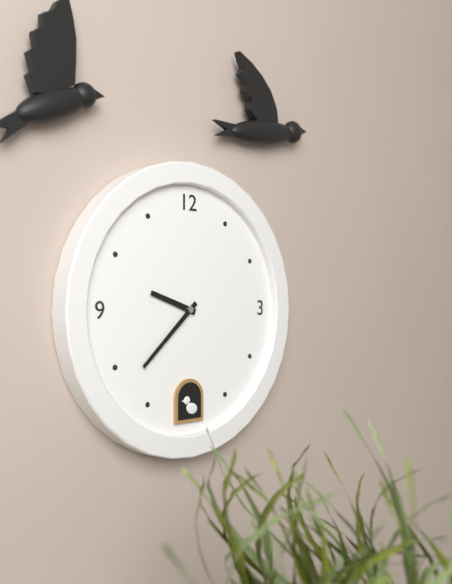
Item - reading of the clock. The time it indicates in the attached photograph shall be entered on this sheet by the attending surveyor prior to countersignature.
9:38
